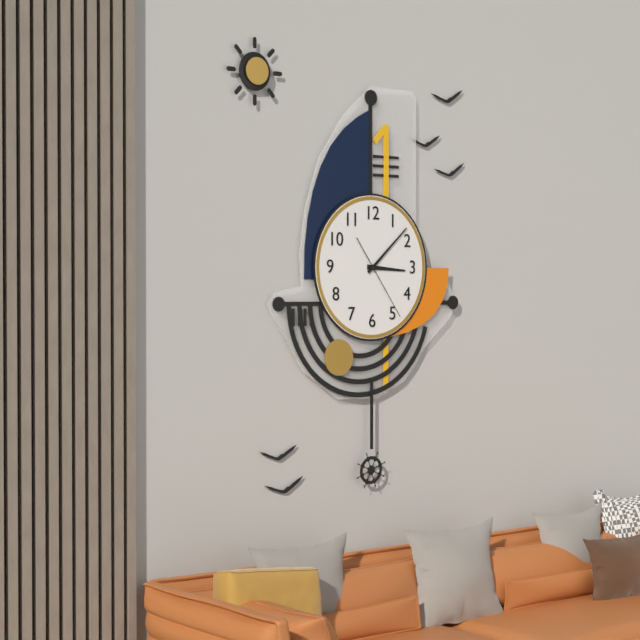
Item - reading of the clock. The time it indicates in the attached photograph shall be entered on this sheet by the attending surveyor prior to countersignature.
3:08:24
